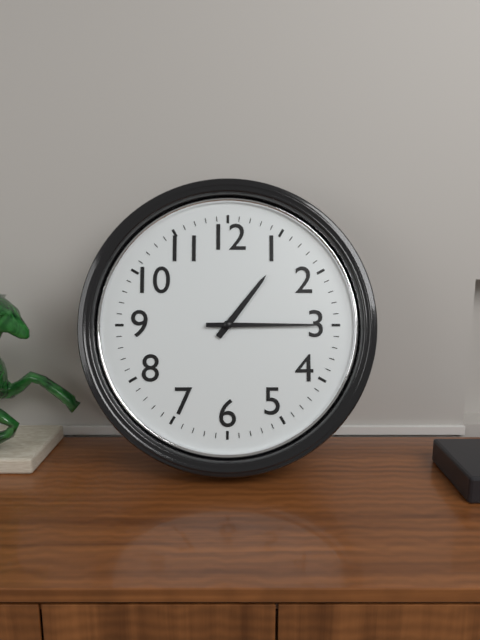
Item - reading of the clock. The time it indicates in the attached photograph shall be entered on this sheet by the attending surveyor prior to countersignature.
1:15
